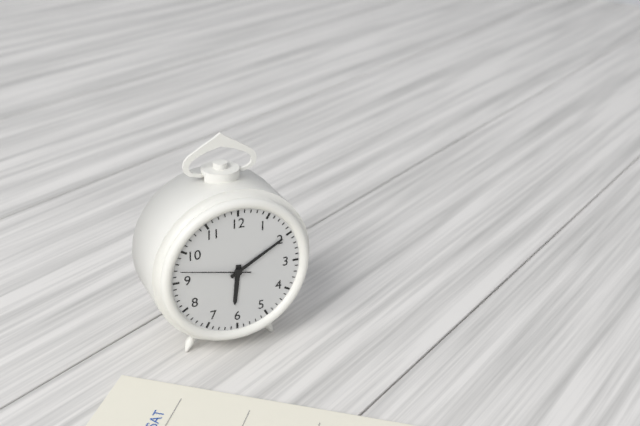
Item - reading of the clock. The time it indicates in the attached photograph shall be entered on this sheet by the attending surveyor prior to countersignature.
6:10:47
